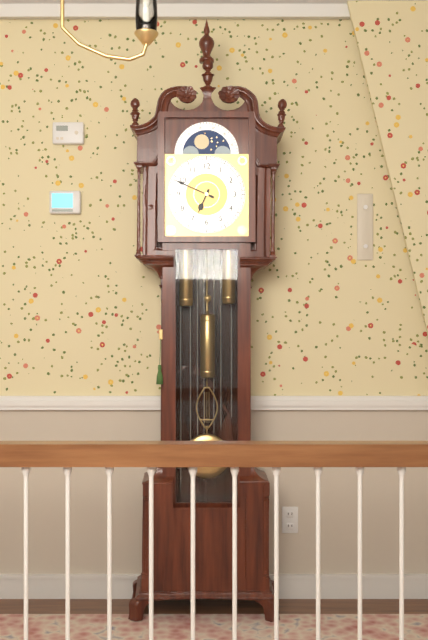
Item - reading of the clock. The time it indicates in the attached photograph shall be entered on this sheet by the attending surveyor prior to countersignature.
6:49
